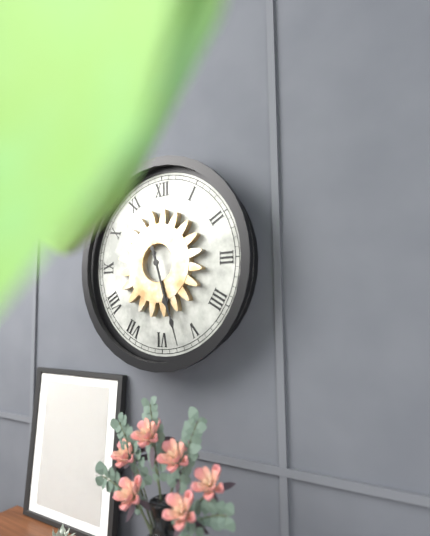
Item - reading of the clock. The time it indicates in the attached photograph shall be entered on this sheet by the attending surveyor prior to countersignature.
5:27
